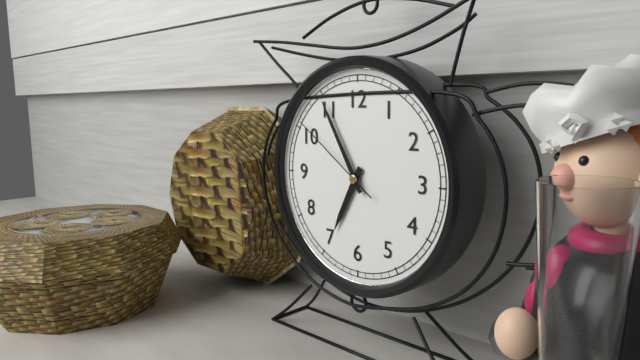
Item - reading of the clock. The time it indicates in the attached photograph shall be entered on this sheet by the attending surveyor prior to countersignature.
6:55:51
